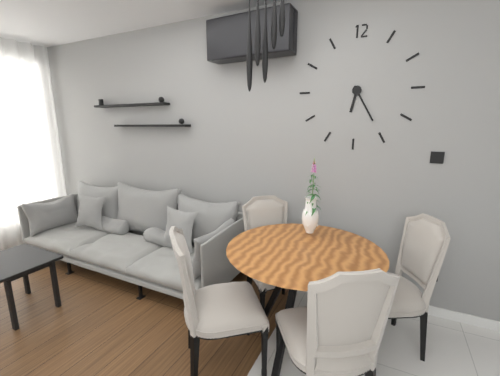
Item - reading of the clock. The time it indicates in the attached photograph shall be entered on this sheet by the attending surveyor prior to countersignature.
6:25
